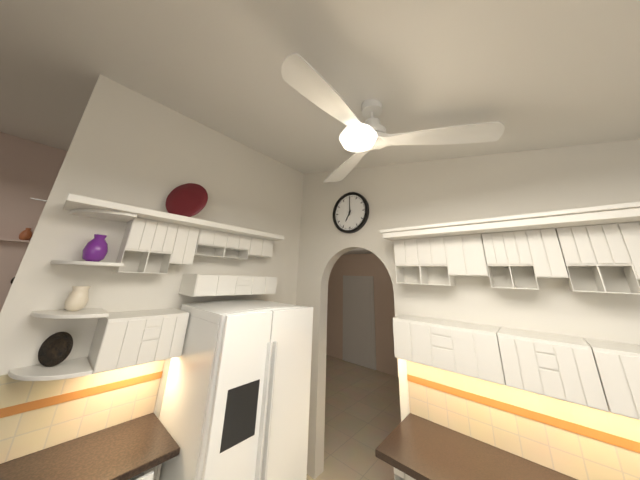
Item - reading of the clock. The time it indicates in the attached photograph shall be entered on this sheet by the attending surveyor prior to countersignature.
7:00
